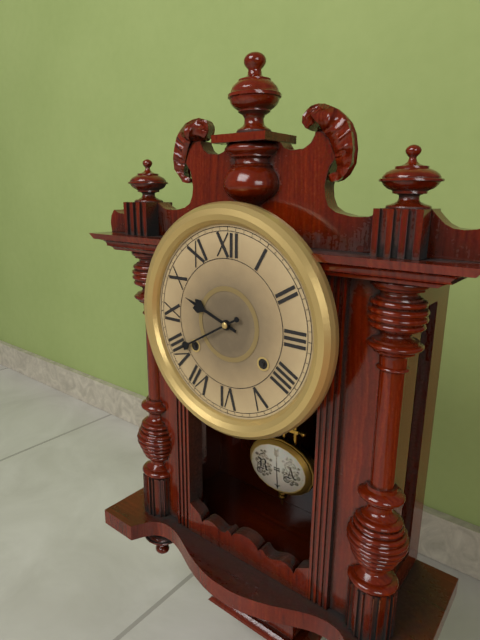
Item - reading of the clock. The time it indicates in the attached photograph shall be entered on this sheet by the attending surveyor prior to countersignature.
9:40
